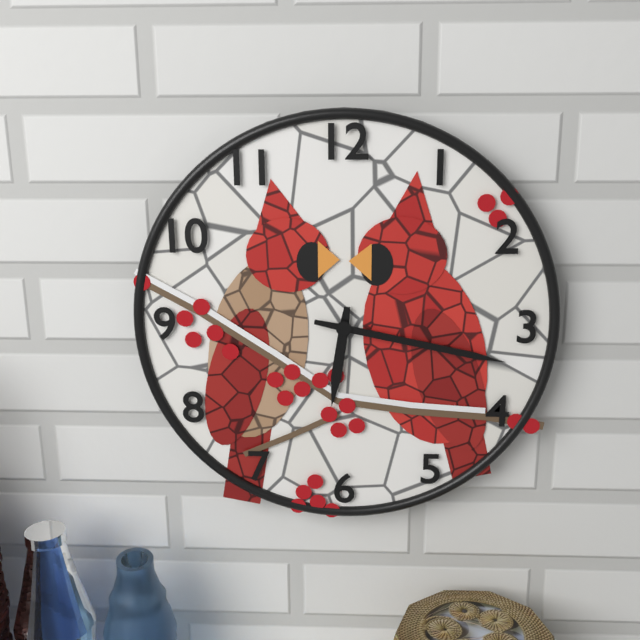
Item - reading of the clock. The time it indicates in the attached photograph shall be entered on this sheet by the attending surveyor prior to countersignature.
6:17
